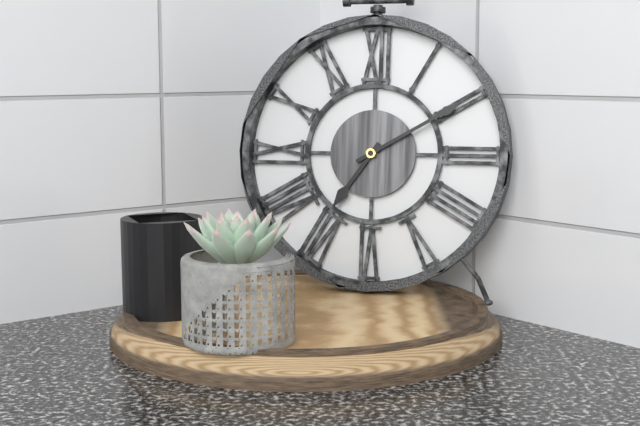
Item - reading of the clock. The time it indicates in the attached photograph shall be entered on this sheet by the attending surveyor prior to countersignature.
7:10
